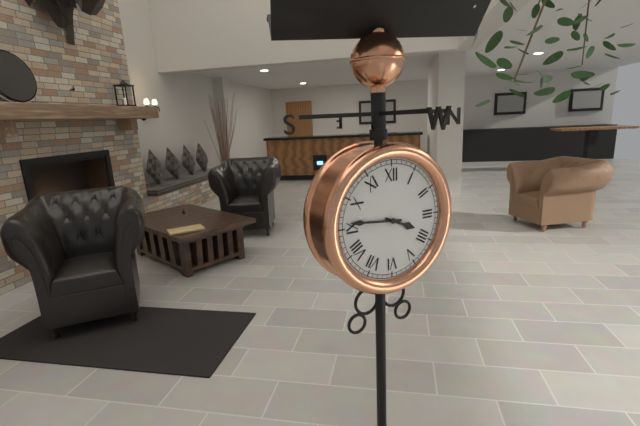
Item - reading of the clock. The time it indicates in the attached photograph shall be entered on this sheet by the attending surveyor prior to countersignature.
3:46
